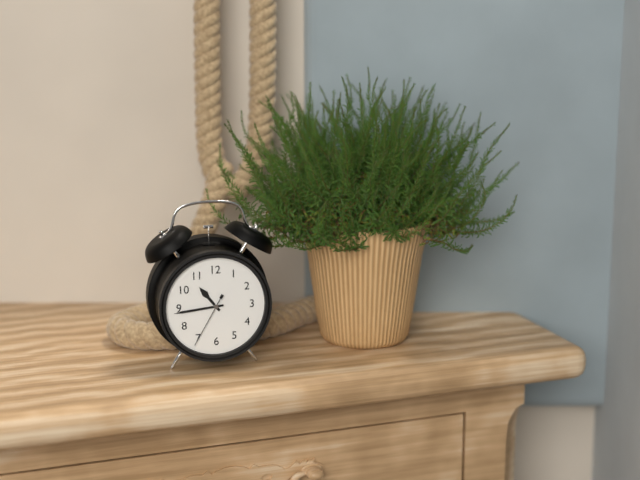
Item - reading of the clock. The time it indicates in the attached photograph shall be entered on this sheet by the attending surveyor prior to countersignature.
10:44:35
